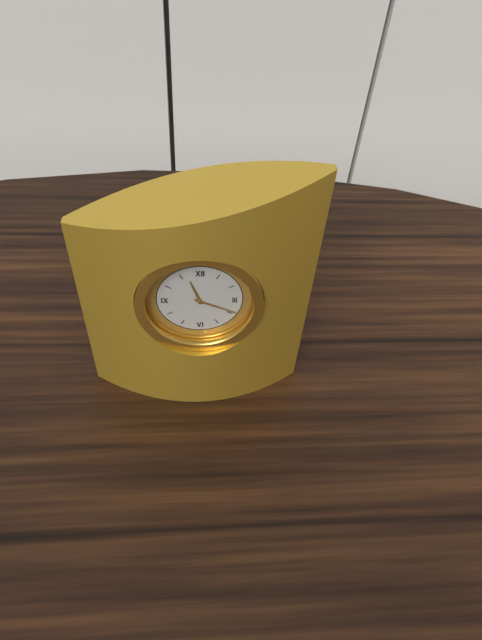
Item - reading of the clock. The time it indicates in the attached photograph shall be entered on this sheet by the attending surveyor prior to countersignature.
11:19
